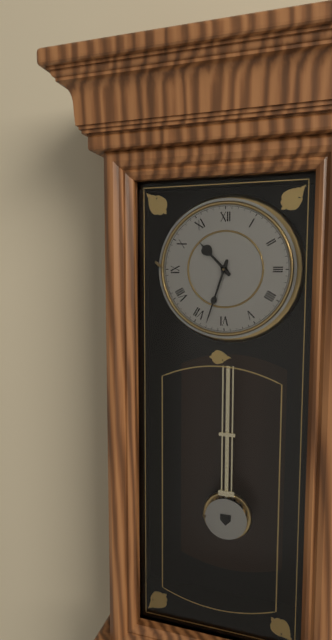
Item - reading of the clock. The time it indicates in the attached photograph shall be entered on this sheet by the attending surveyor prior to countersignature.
10:33
